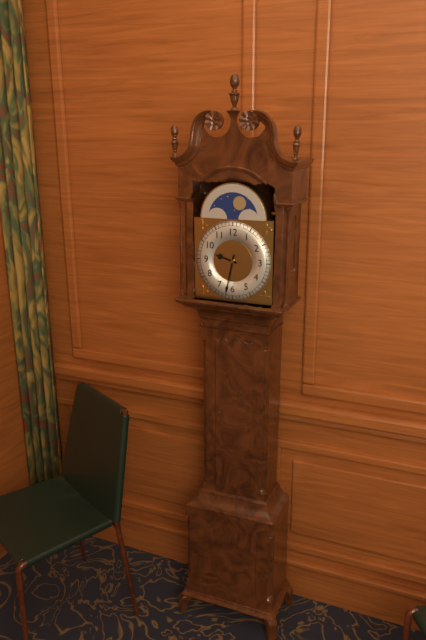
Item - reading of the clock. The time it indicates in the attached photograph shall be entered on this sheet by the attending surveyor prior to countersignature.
9:32
